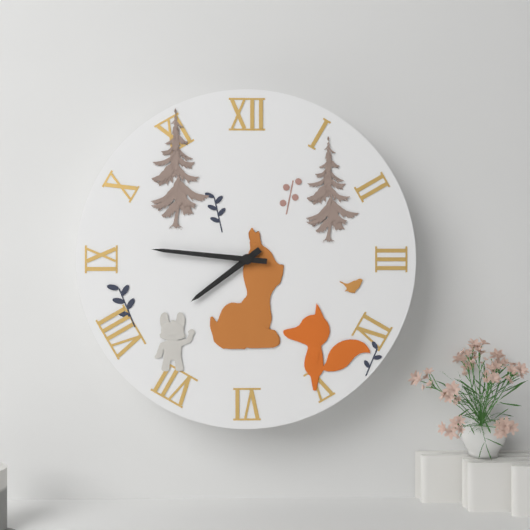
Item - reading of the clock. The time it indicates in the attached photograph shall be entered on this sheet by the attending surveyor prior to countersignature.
7:46
